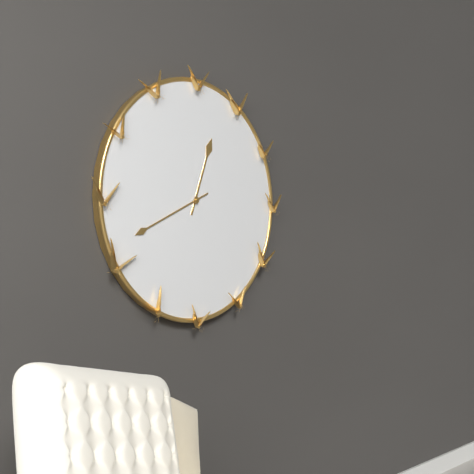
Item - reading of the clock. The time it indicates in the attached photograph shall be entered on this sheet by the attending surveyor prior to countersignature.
12:41
